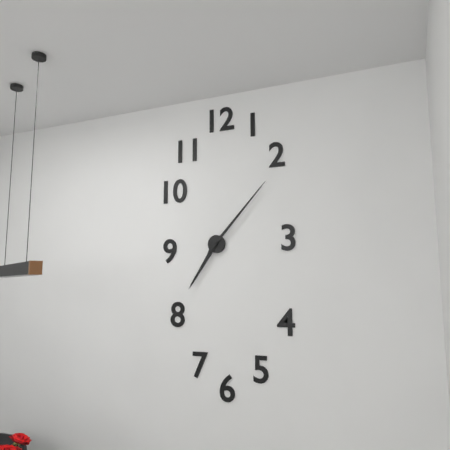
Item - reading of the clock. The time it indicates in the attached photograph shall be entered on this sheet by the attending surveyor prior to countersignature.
7:07
